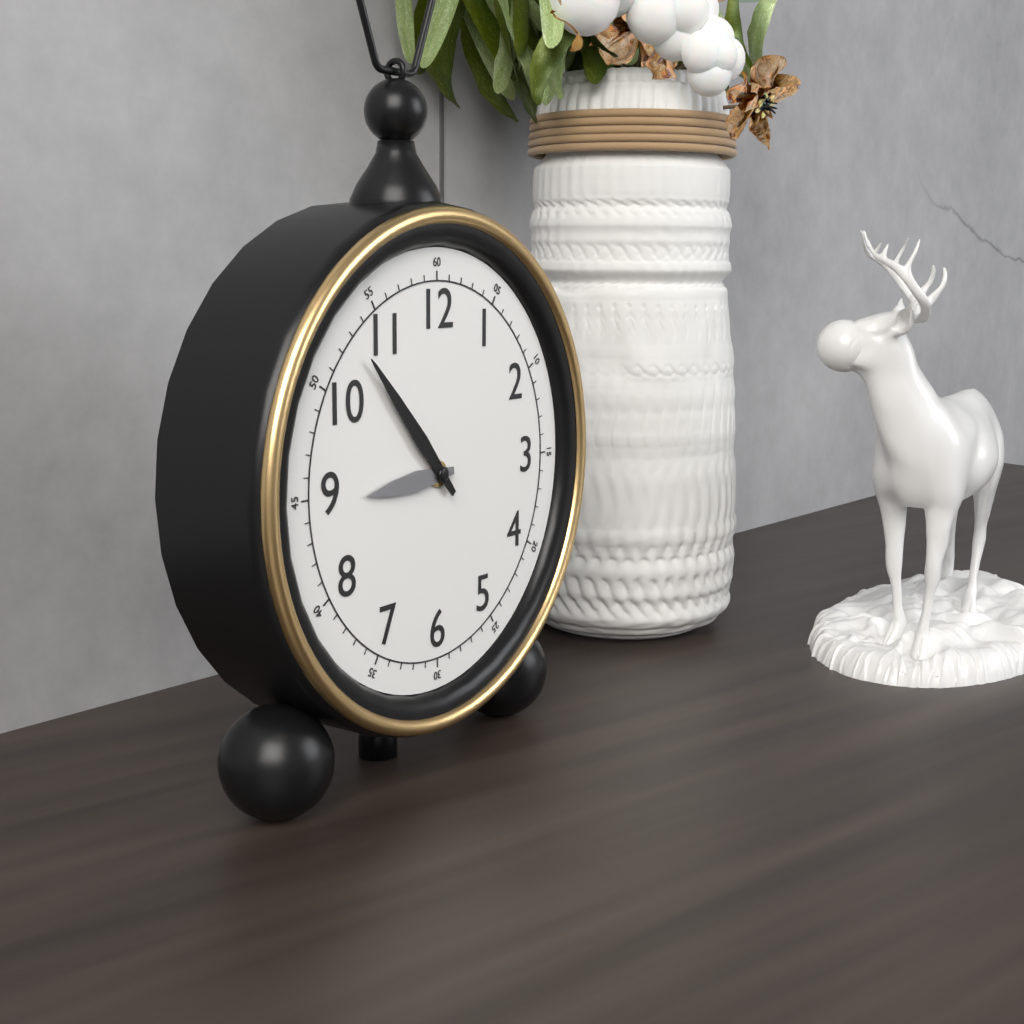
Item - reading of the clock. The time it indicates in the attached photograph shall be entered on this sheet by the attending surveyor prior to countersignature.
8:53
